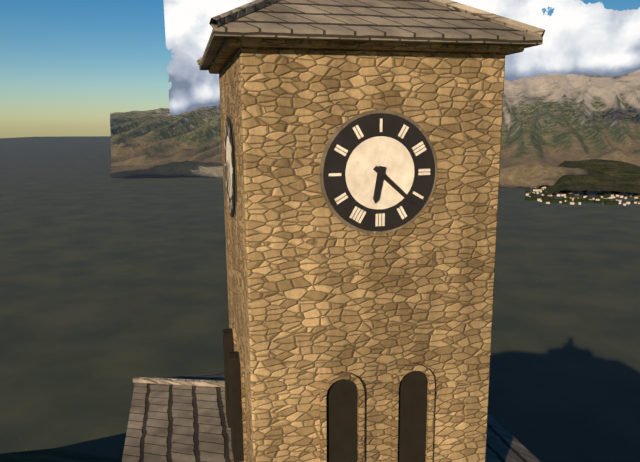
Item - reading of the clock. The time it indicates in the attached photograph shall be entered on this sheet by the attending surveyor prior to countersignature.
6:22
